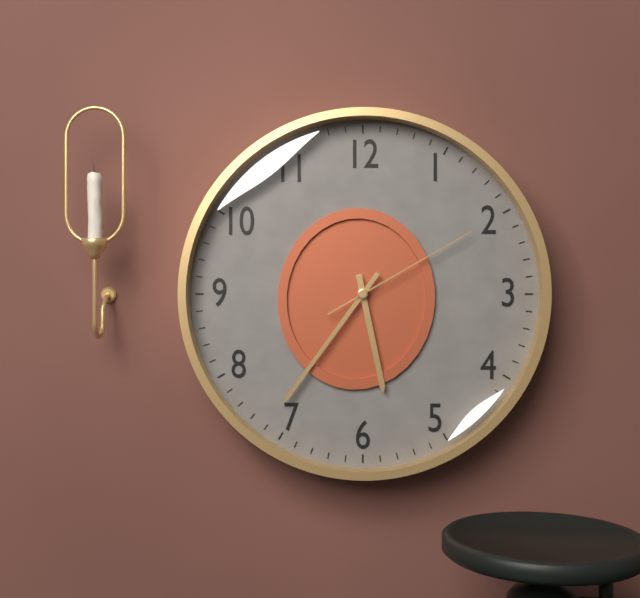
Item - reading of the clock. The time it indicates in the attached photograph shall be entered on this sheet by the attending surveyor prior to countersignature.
5:36:10
